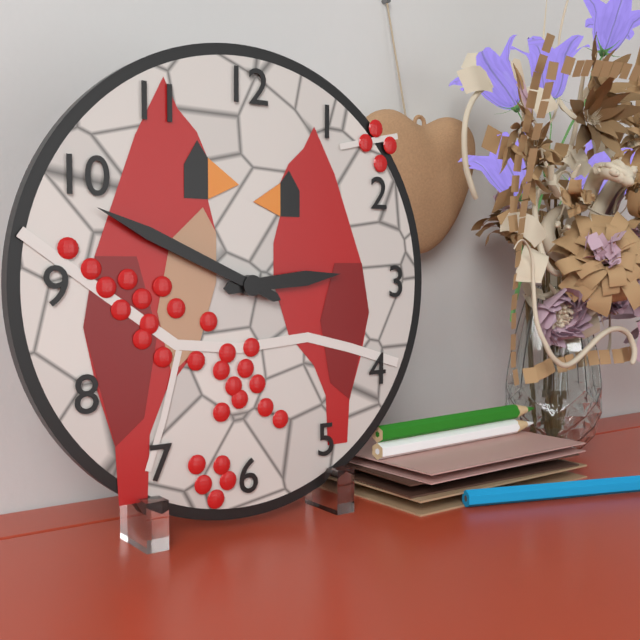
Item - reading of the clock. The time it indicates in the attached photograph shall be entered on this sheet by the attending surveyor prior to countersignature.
2:49
